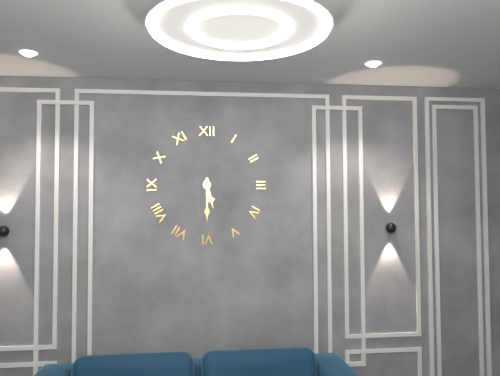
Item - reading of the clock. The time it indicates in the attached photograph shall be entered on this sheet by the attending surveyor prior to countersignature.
5:30
